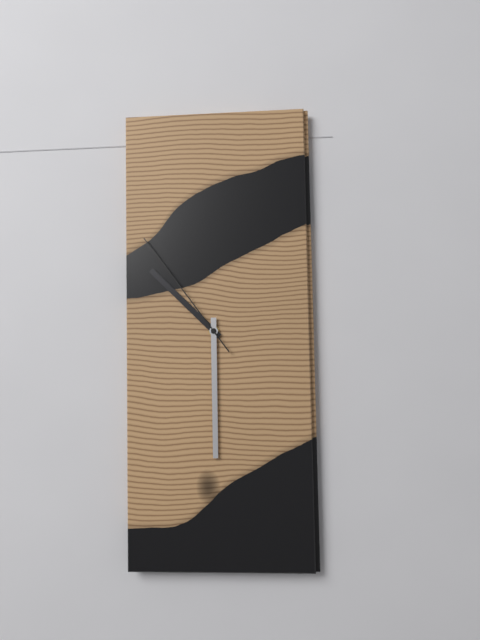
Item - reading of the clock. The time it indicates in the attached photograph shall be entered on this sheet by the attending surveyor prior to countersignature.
10:30:54
